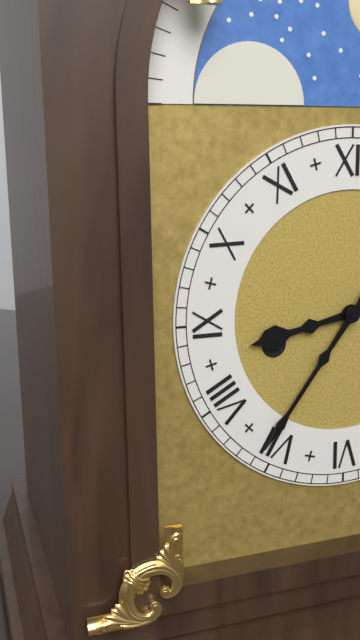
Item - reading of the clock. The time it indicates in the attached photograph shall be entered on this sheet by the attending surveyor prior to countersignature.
8:36
